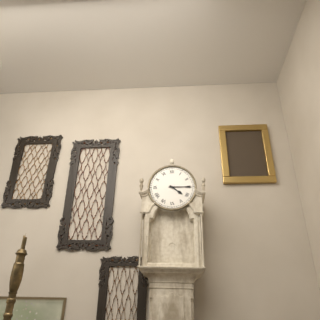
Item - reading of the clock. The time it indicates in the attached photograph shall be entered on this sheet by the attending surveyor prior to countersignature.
4:15
